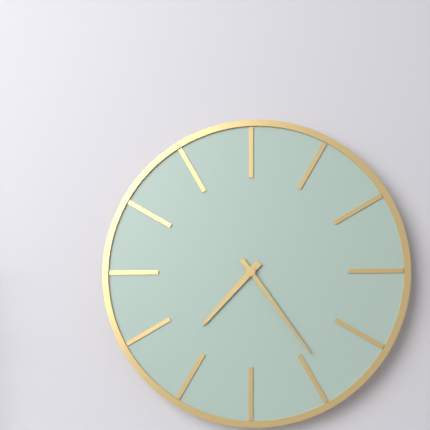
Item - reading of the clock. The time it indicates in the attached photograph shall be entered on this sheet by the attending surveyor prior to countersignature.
7:24
